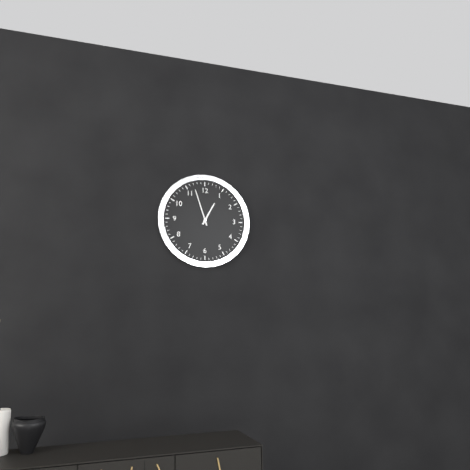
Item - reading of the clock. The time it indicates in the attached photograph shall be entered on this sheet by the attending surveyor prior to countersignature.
12:57
